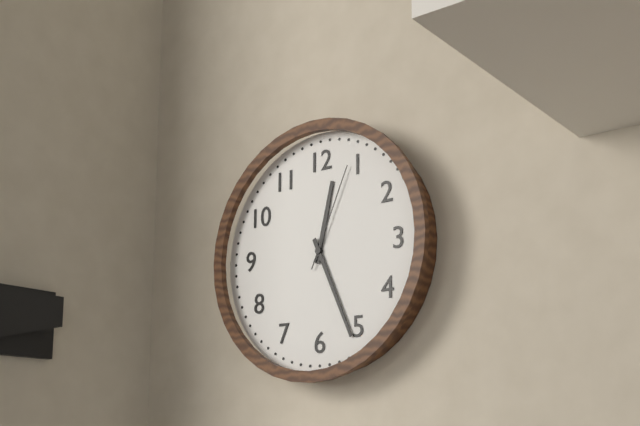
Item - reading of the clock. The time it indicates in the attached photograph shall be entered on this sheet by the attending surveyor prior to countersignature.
12:26:04
